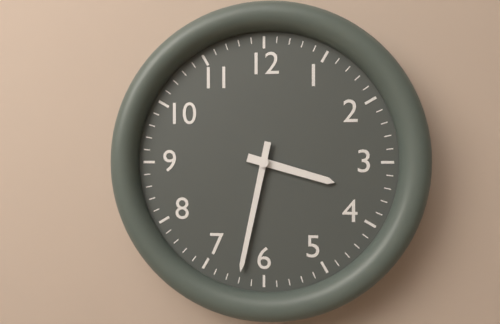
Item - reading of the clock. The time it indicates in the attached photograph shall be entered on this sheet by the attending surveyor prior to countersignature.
3:32
